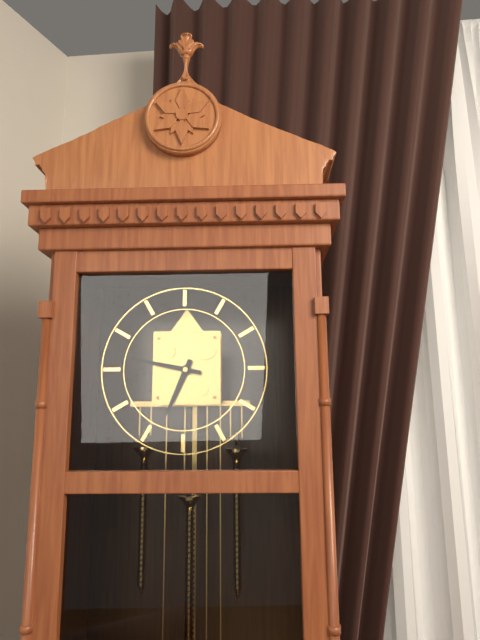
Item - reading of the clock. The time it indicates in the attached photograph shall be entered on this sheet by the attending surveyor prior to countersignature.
6:47
